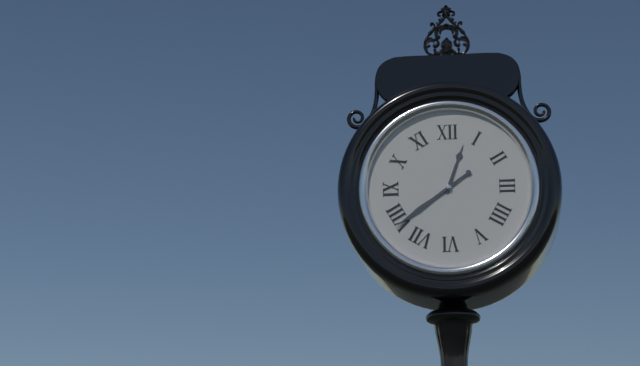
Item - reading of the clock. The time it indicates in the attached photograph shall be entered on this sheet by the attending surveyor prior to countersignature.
12:39
